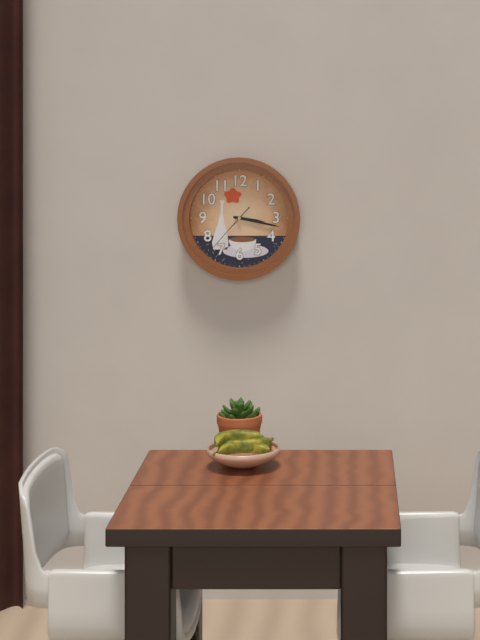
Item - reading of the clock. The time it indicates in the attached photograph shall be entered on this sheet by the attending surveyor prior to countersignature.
3:17:37
